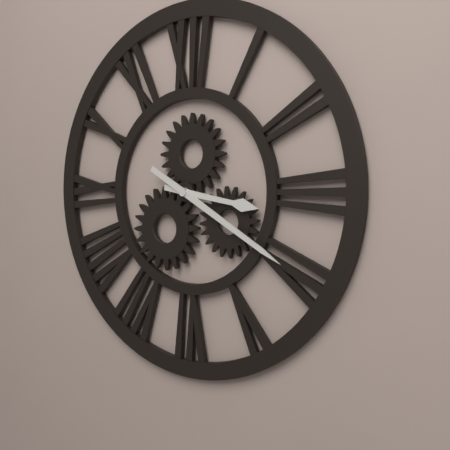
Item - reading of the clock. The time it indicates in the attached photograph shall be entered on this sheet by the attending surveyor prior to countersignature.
3:20
